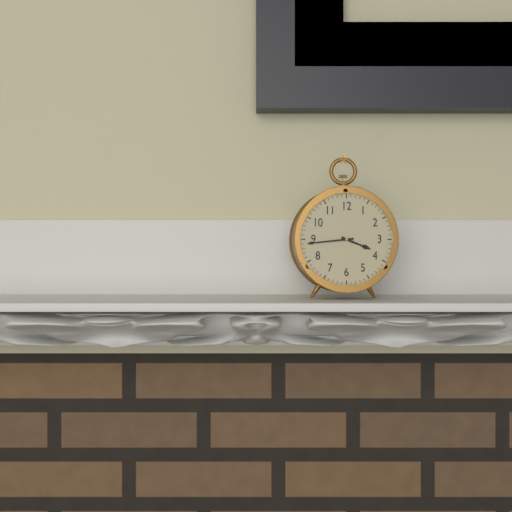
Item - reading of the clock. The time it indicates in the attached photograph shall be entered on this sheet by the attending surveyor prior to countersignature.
3:44
